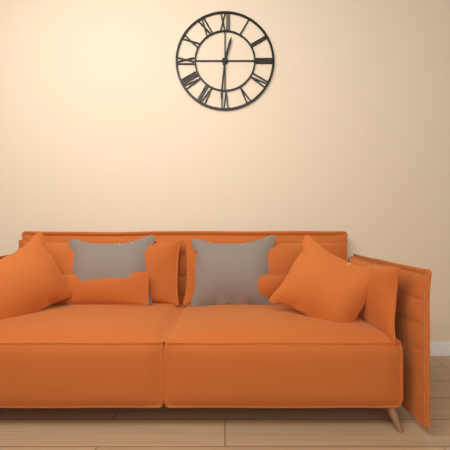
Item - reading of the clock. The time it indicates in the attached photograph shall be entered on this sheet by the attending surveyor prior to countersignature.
12:31
